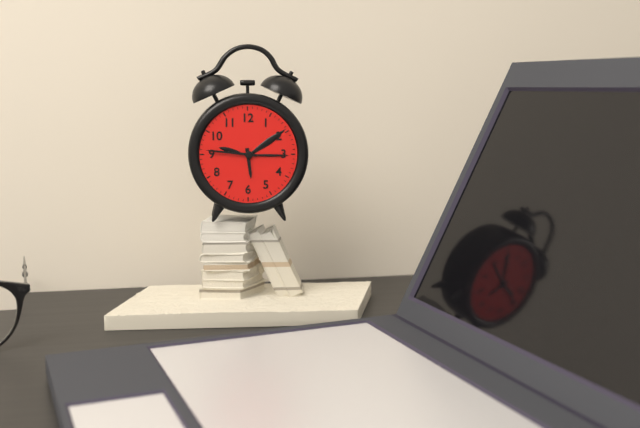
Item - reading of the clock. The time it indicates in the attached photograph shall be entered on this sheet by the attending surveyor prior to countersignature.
5:46
